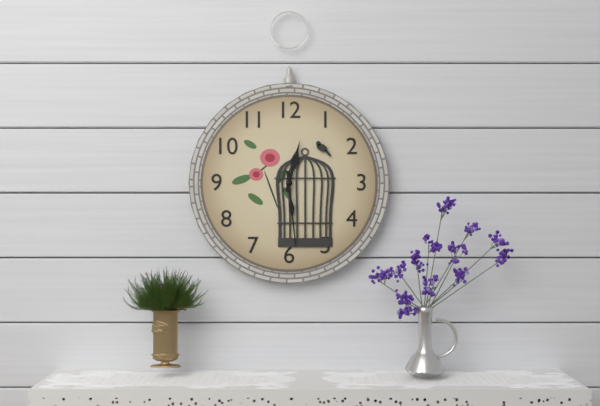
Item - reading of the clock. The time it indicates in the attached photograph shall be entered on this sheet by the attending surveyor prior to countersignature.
12:29
